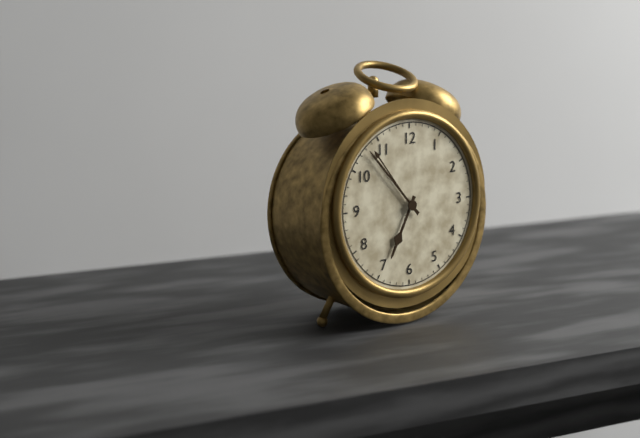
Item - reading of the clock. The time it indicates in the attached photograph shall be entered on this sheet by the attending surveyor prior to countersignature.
6:53
